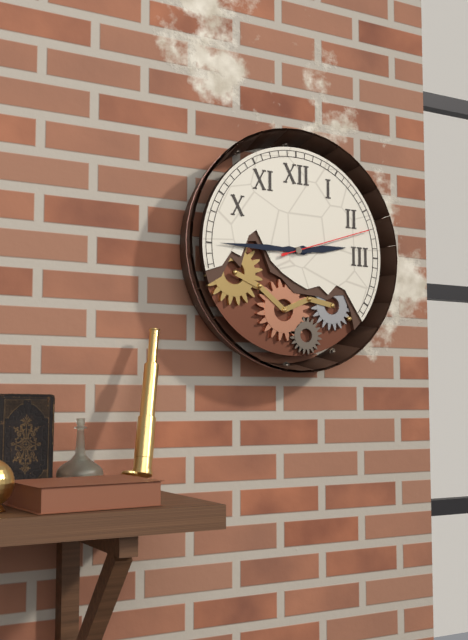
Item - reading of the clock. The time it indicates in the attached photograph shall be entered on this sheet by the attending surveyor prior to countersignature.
2:45:12
